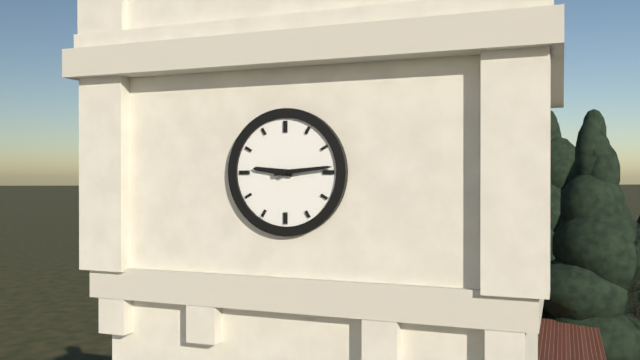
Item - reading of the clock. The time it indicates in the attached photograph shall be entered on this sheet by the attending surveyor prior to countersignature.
9:14
